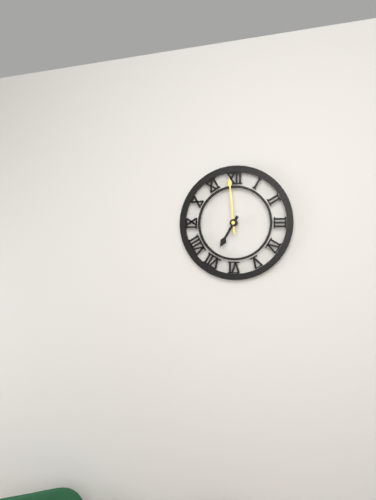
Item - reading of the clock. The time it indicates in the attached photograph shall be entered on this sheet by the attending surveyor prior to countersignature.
6:59
